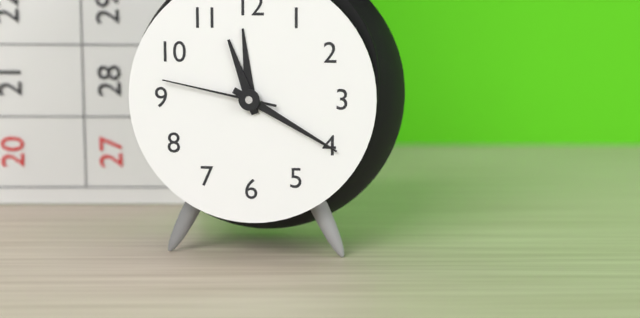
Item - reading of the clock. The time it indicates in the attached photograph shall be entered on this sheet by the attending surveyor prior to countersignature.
11:20:47
